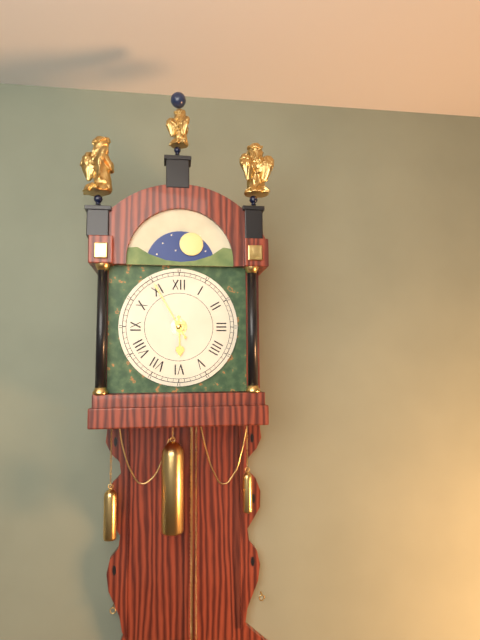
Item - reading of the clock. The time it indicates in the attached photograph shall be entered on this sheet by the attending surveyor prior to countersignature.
5:55
